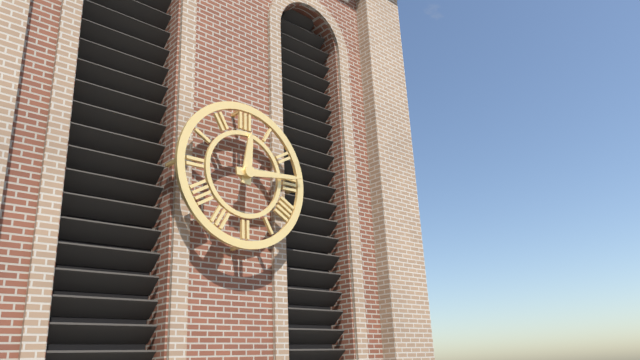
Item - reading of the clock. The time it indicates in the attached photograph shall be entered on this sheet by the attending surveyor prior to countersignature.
12:14
